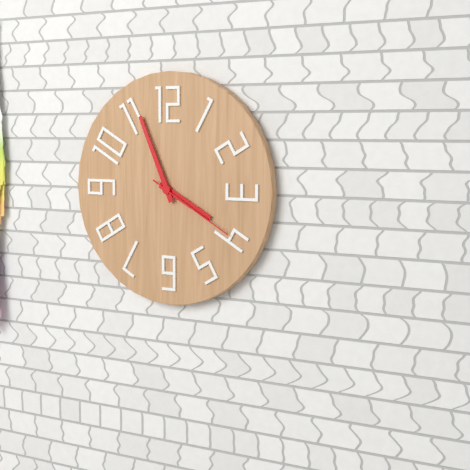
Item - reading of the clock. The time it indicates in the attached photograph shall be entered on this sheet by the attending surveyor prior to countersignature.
3:56:20
